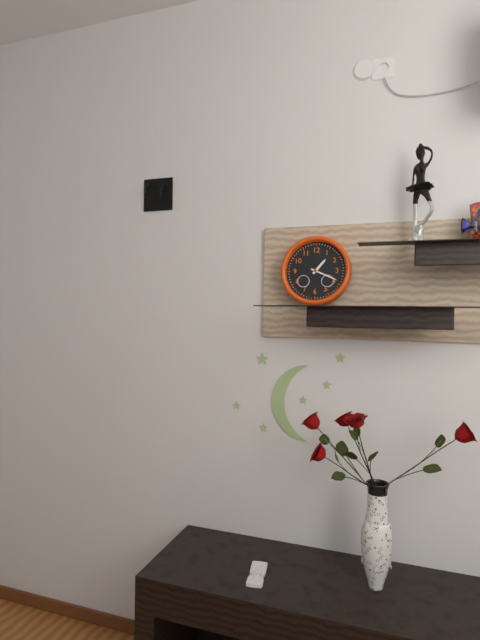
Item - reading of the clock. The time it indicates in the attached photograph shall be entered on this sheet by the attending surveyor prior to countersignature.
1:19
